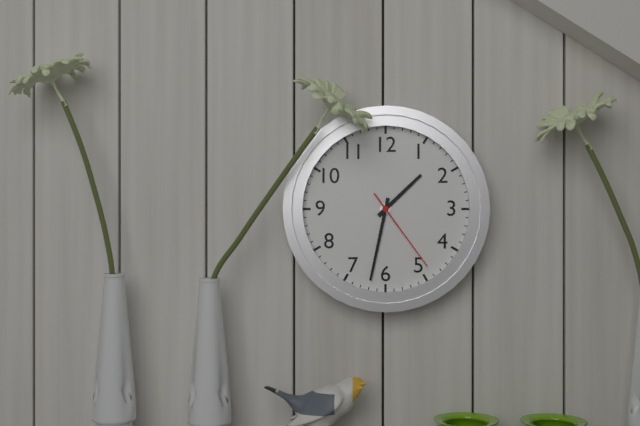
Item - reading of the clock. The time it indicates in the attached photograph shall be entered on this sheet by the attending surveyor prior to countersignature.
1:32:24
